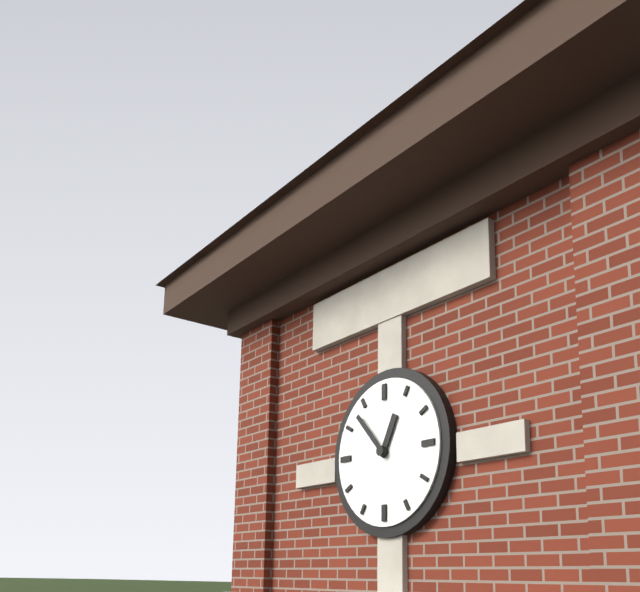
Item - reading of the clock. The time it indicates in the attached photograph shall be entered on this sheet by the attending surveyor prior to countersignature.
12:53
